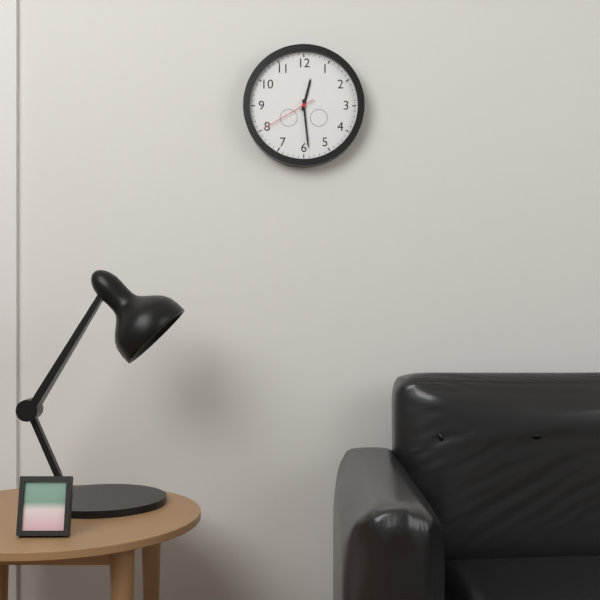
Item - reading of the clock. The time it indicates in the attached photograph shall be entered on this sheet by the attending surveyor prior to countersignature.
12:29:40
